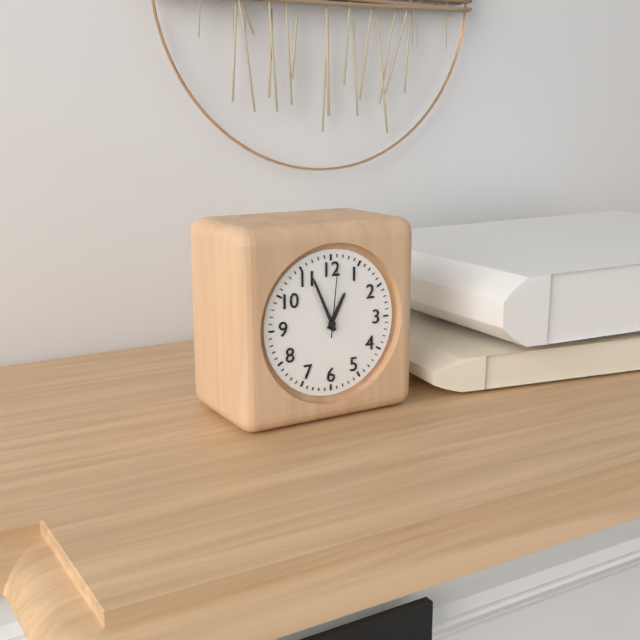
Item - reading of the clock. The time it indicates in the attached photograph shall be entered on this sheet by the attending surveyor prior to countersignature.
12:56:01
